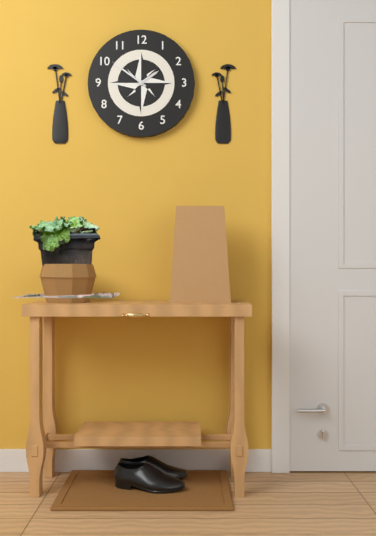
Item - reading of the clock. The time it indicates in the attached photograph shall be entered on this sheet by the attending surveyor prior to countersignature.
1:51
